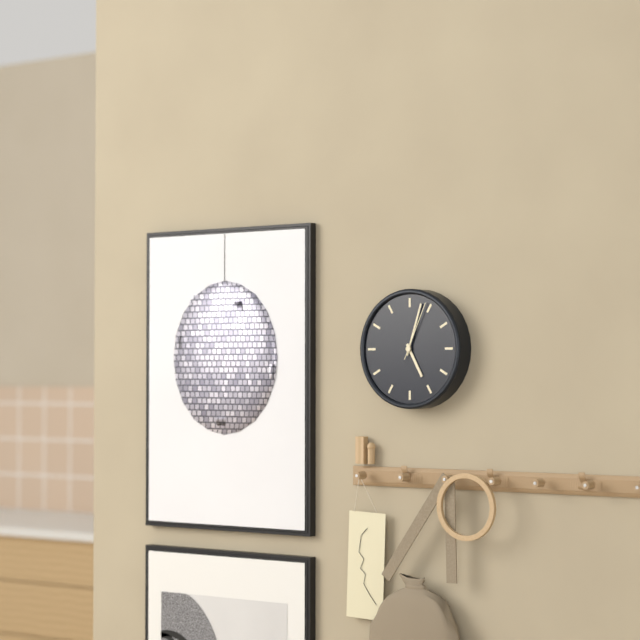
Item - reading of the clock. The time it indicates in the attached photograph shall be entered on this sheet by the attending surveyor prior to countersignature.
5:03:04
